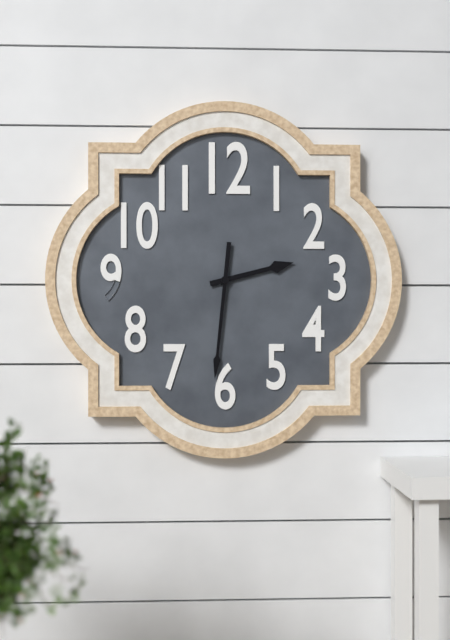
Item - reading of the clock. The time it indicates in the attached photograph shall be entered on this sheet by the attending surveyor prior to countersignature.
2:31
